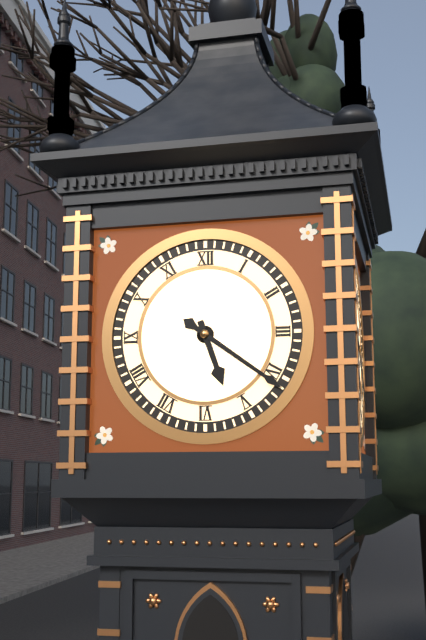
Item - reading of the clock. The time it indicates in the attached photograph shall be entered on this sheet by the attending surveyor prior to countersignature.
5:21
